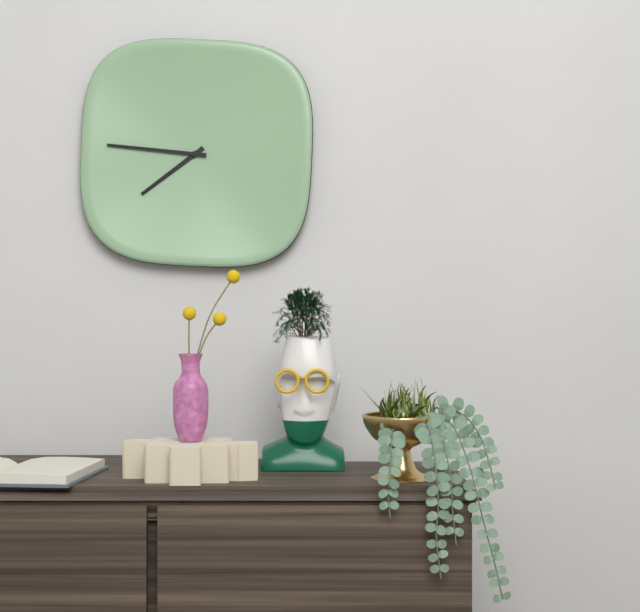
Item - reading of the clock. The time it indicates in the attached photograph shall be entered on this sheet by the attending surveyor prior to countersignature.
7:46
